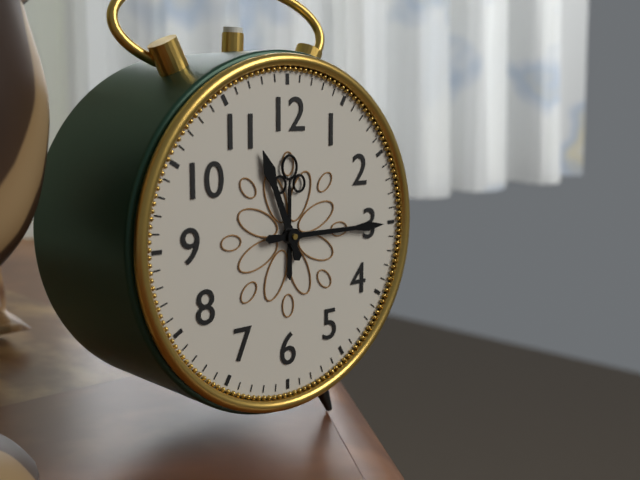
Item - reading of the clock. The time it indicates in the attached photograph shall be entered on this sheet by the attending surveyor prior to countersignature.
11:15
